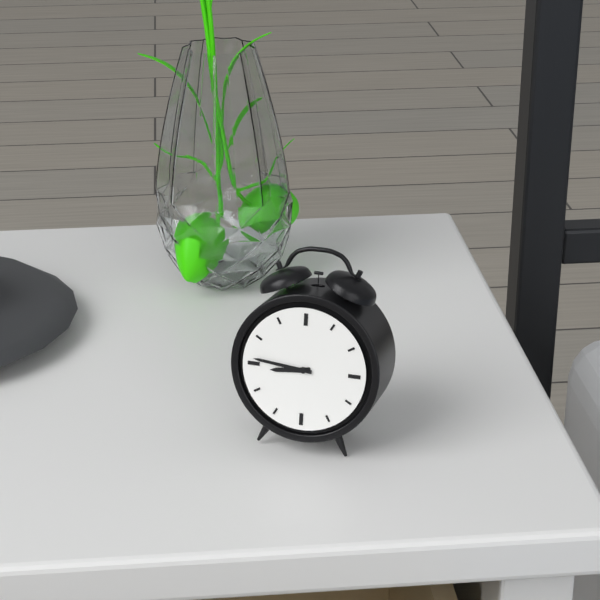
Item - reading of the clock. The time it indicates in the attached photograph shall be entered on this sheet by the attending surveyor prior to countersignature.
8:46
